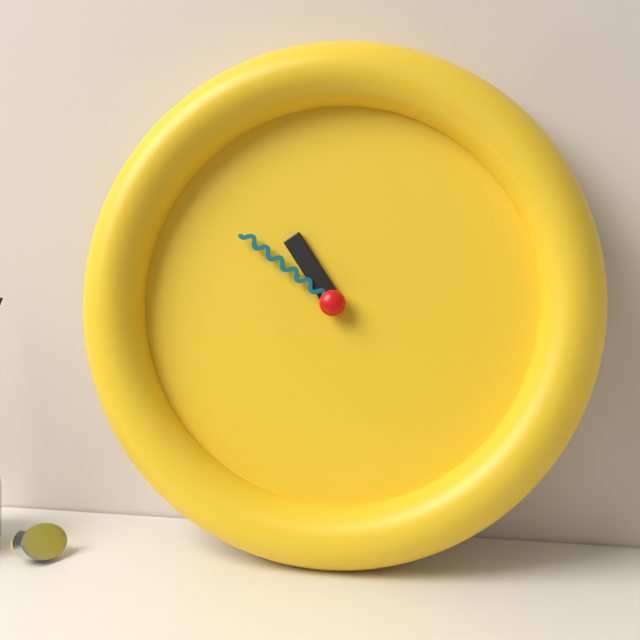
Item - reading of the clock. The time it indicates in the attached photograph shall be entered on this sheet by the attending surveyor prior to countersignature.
10:51
